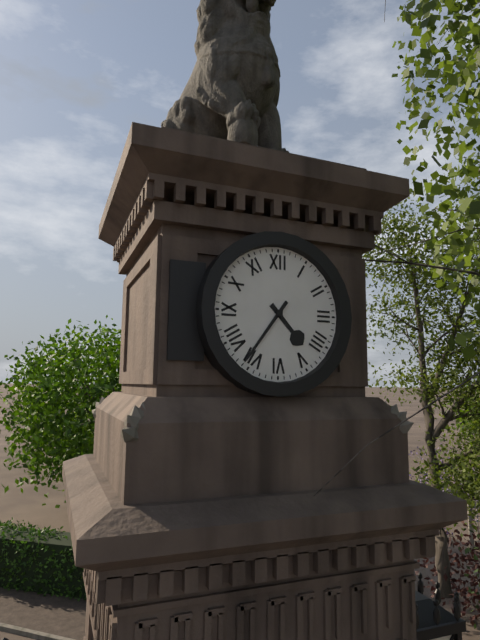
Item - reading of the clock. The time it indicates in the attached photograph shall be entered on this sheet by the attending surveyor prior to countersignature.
4:36
